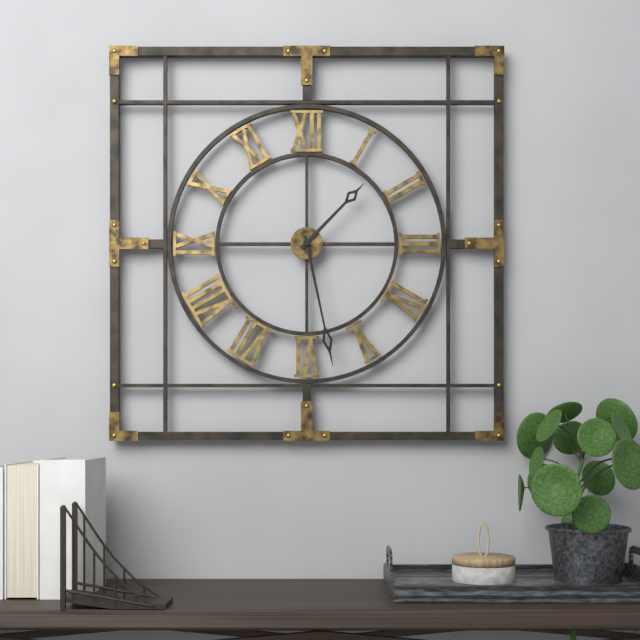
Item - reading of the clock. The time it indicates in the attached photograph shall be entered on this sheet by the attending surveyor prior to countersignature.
1:28
